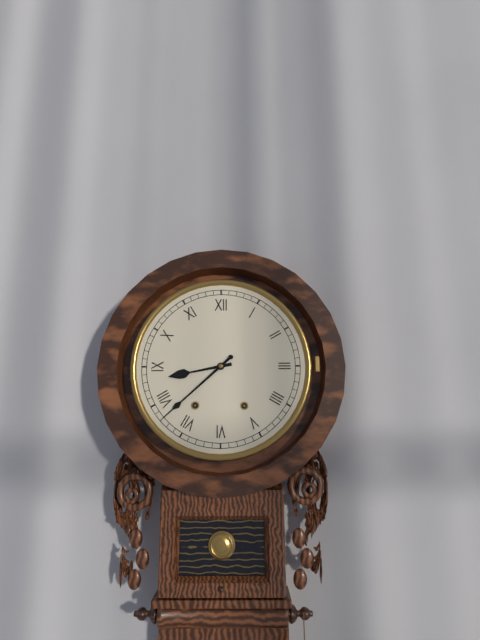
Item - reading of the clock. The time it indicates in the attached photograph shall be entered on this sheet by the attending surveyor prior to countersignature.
8:38
